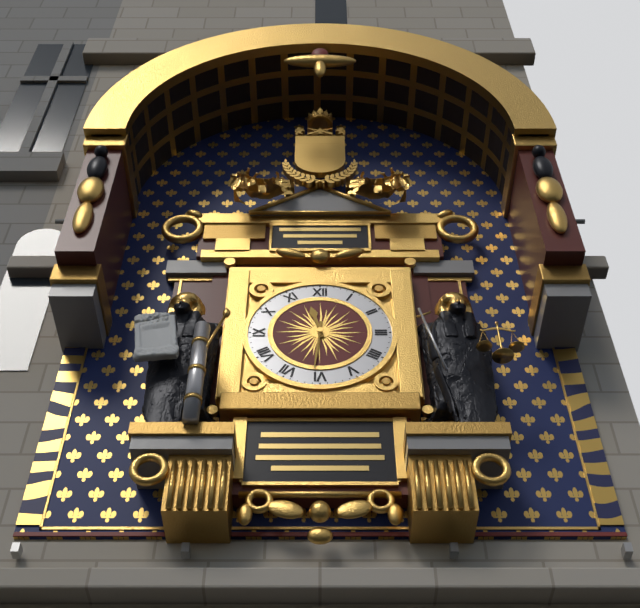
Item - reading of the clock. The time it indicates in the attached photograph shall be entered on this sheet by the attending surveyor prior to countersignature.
11:31
